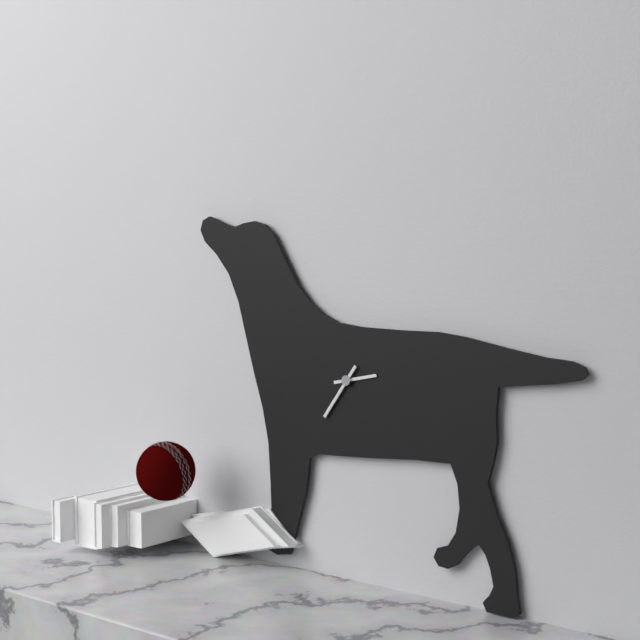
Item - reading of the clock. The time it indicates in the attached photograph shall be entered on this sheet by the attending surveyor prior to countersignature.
2:36
